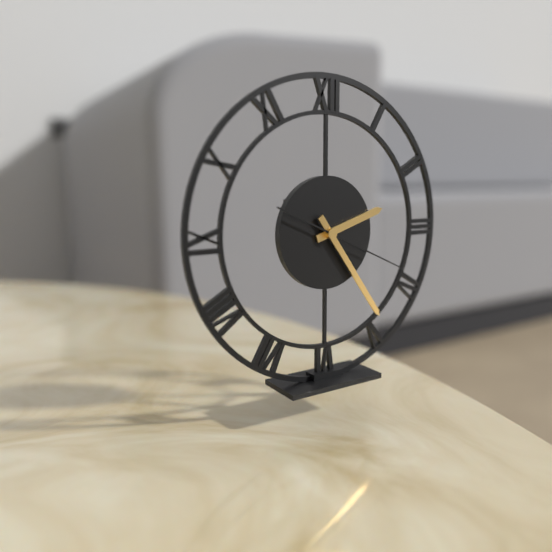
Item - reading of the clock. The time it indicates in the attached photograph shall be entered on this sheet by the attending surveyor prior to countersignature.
2:24:19
